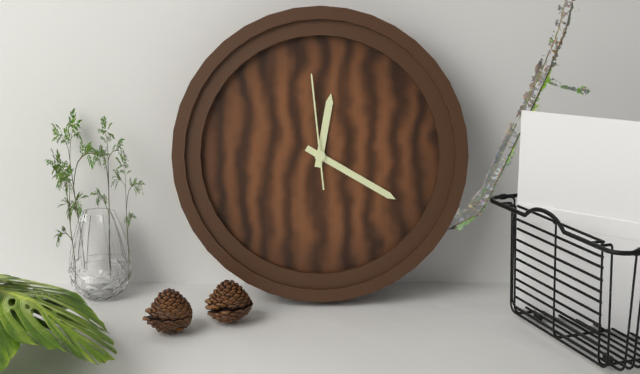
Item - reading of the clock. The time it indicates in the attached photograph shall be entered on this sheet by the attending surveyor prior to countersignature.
12:20:59
